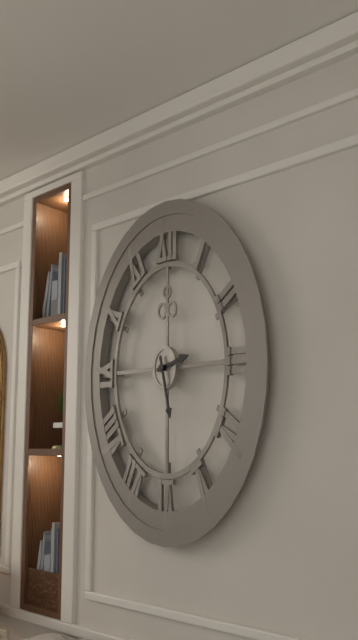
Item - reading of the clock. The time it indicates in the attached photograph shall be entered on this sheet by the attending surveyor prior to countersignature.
2:28
